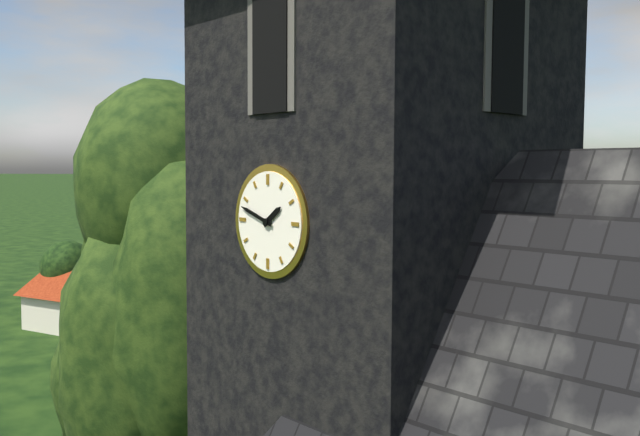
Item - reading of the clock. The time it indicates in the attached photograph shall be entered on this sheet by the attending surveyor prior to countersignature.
1:48
